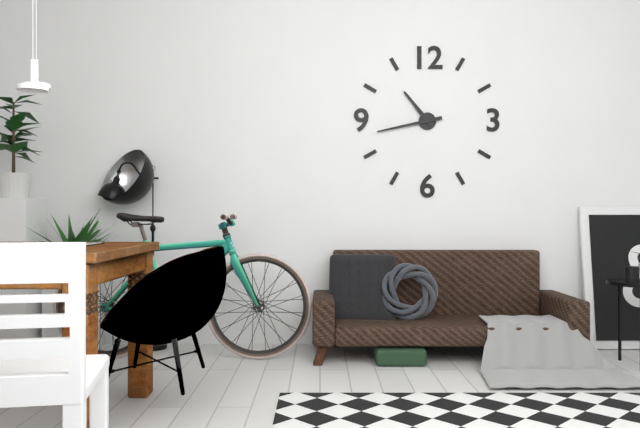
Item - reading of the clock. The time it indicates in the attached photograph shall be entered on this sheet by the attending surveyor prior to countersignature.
10:43
